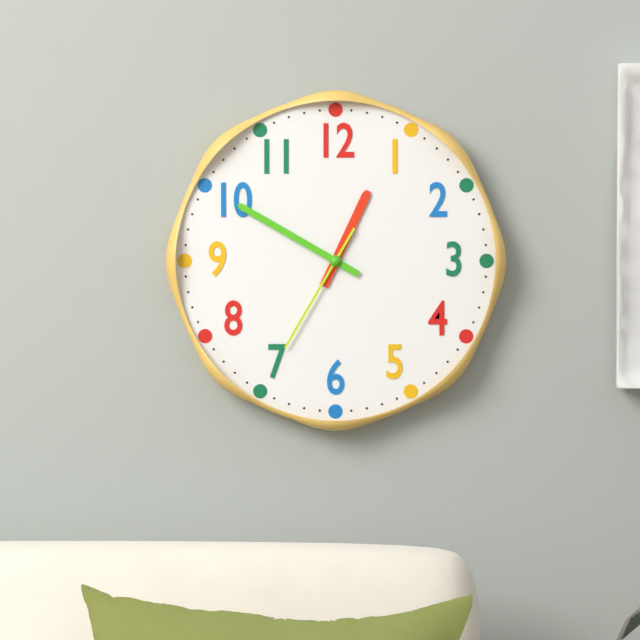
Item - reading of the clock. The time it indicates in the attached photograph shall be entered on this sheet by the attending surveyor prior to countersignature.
12:50:35
